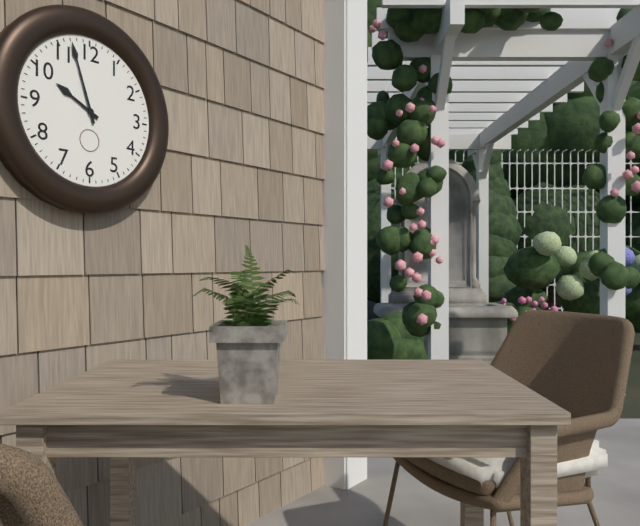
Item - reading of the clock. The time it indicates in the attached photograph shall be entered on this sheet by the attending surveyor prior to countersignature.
9:57
